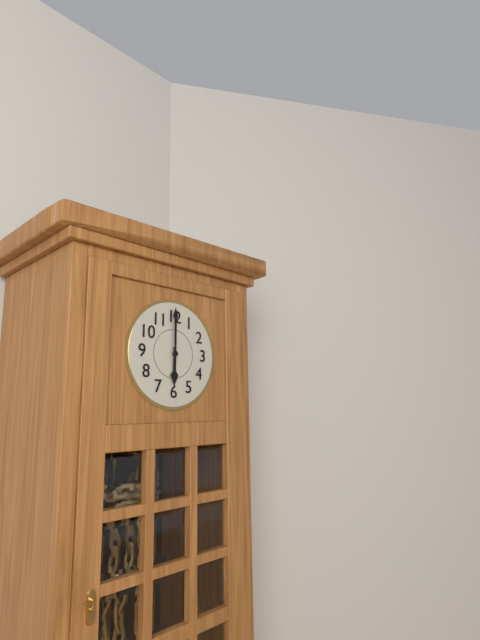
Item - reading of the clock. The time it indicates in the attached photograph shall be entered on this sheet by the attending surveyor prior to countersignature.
6:00
